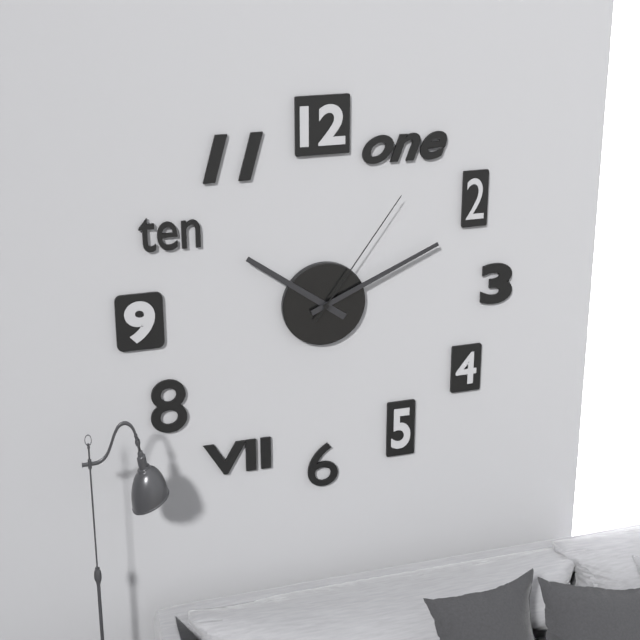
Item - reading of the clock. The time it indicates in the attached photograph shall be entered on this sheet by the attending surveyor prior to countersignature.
10:11:06
